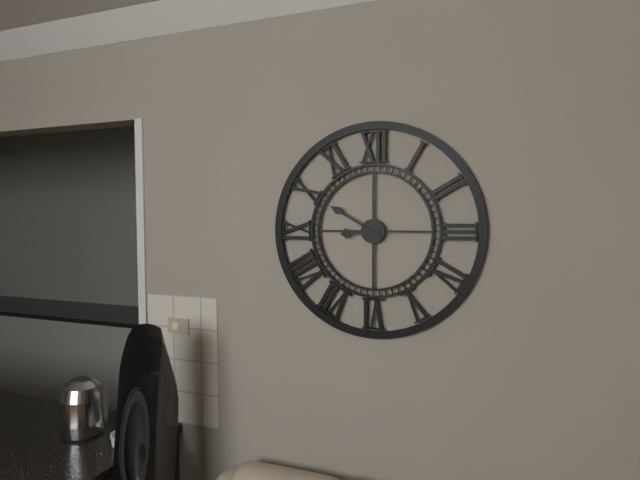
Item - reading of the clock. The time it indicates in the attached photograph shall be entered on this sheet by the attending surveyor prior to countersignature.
8:50
